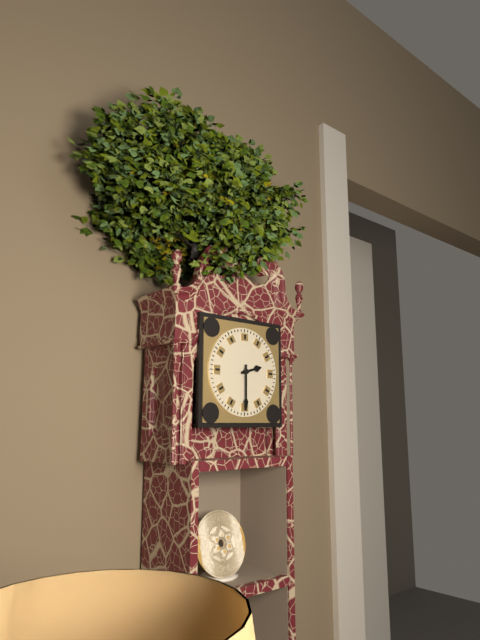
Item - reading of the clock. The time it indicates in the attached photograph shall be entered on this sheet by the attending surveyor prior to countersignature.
2:30
